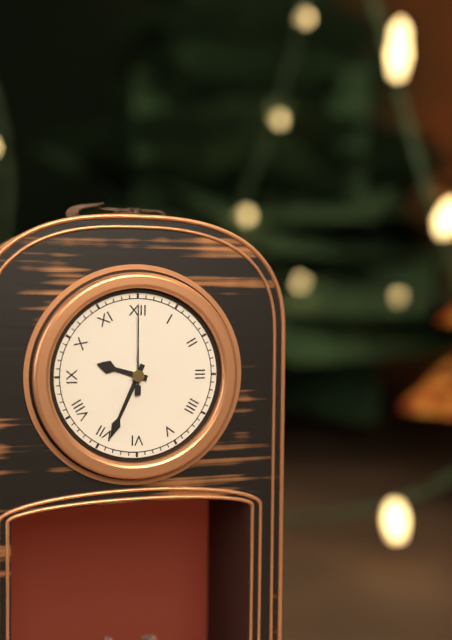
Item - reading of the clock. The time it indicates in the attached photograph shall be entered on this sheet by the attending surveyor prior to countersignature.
9:34:00
